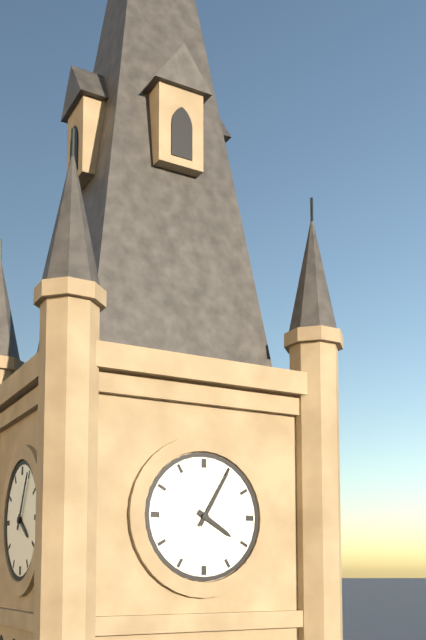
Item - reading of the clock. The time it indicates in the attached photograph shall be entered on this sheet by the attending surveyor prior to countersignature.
4:05
